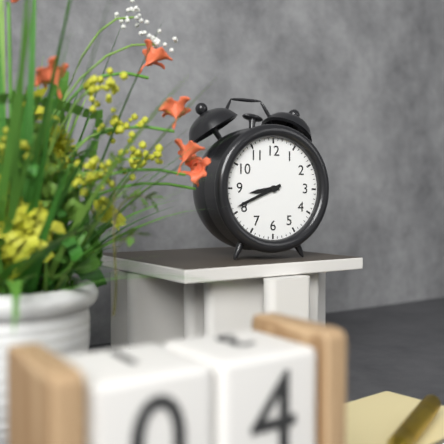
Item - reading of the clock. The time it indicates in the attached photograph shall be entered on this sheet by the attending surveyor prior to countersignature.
8:41
